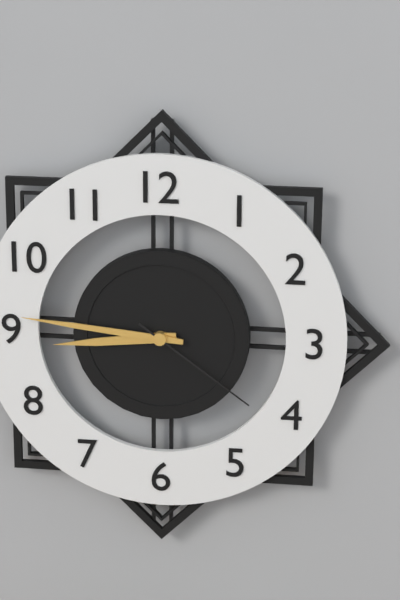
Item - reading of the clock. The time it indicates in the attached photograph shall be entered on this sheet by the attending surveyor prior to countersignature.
8:46:21
